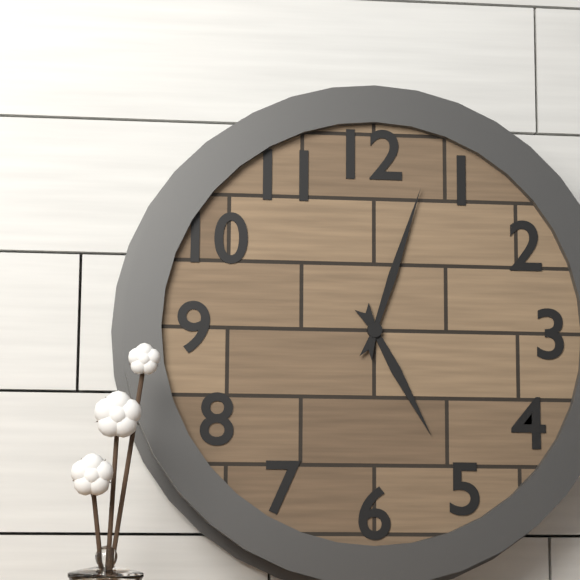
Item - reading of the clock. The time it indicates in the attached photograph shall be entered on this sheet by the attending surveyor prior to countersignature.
5:03
